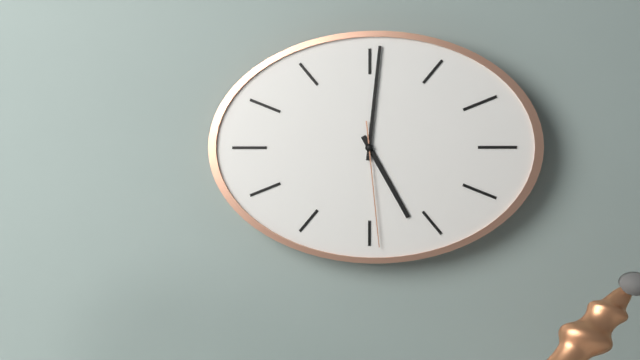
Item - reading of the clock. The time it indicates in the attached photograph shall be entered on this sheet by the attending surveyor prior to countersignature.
5:01:29
